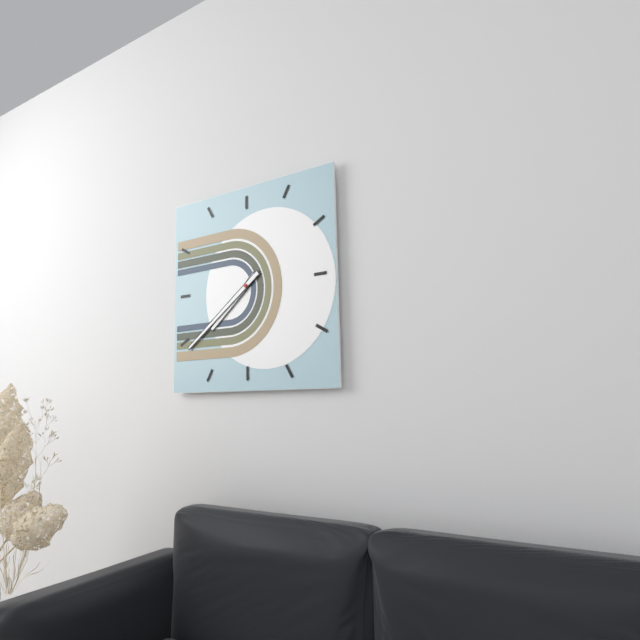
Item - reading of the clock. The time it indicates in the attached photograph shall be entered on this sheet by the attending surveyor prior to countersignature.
7:39
